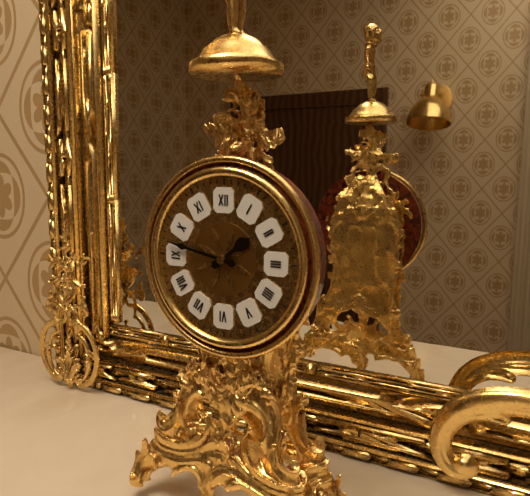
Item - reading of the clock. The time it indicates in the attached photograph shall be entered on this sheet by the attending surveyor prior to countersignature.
1:47
